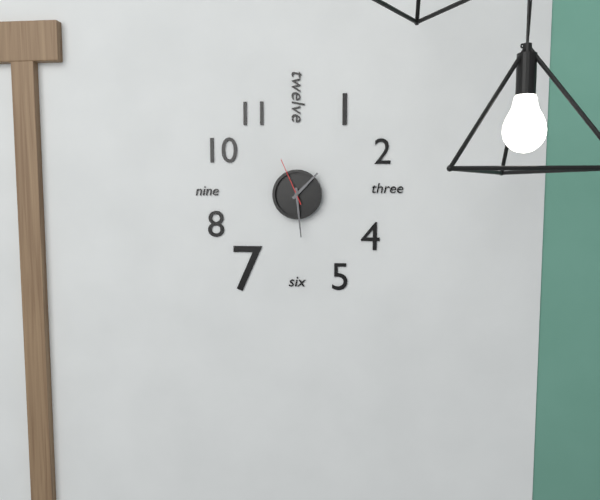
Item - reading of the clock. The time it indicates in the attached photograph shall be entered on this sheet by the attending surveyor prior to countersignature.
1:29
